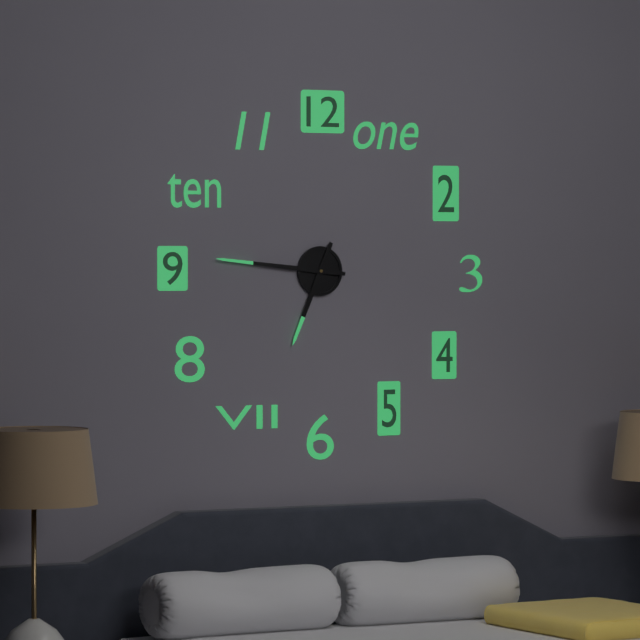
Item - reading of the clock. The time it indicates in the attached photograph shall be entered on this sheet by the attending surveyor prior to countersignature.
6:46
